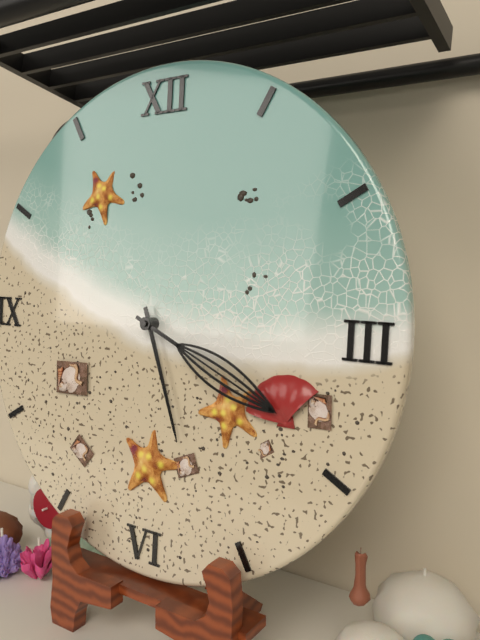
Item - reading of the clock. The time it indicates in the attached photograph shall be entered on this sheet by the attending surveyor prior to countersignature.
5:19
